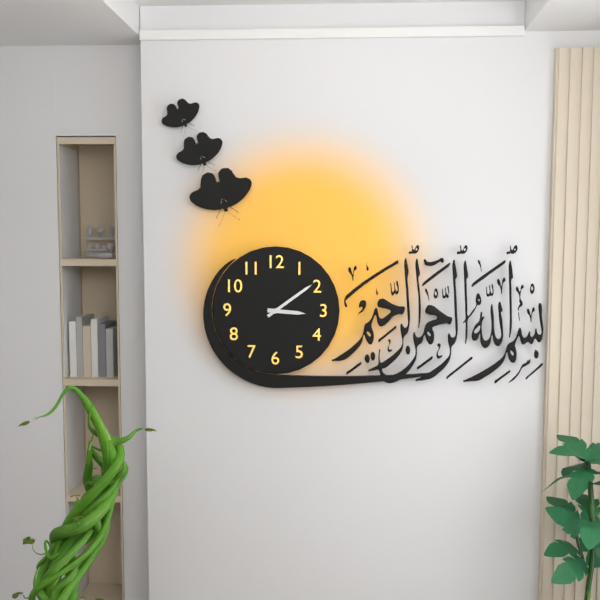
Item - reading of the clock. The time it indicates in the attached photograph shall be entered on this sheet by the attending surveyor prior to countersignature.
3:09
